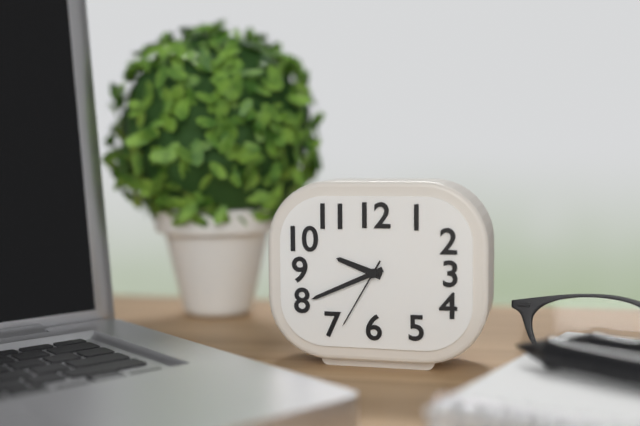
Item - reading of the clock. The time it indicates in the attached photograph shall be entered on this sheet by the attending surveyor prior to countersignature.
9:41:35
